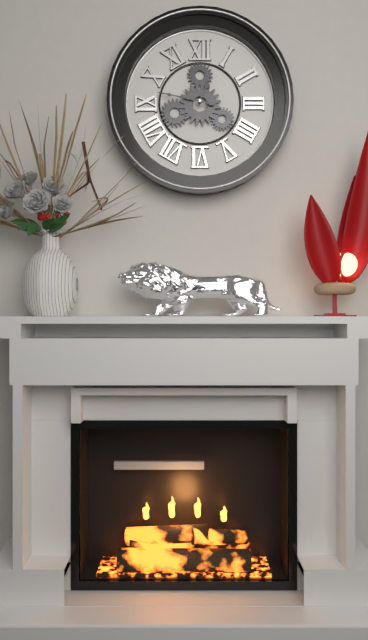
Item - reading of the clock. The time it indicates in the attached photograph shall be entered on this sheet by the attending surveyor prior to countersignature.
12:47
